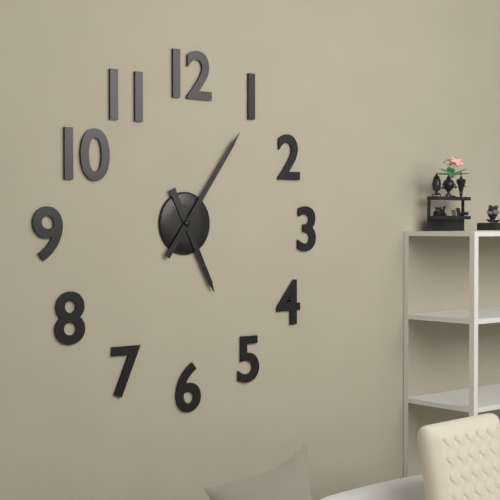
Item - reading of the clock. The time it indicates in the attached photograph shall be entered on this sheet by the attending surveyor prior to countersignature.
5:06
